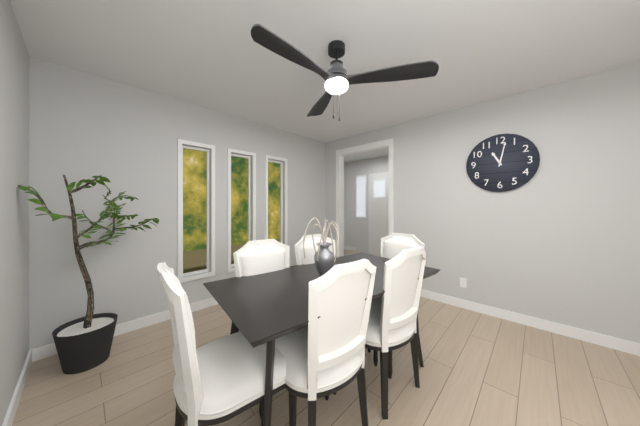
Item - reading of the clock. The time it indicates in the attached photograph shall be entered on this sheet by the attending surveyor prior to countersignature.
11:02
